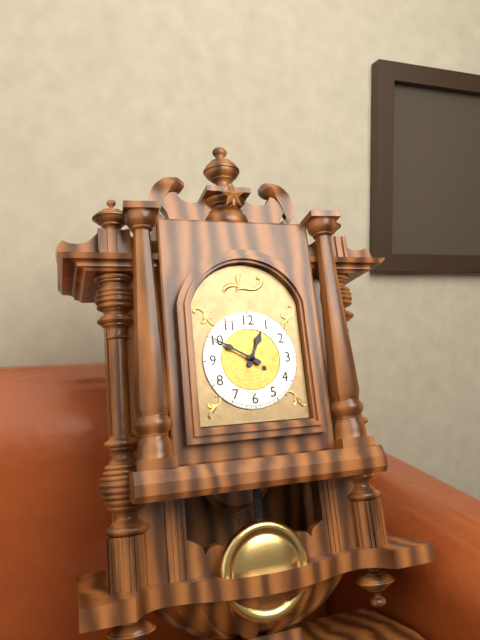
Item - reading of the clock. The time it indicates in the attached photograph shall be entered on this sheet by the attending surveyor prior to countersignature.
12:50
